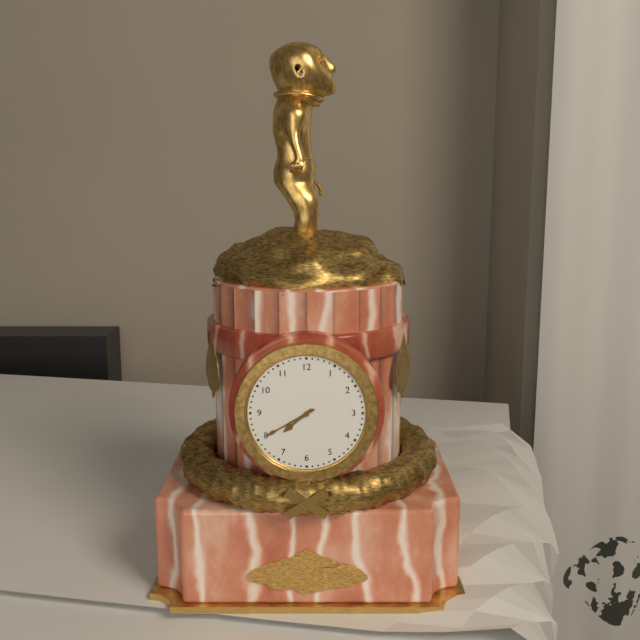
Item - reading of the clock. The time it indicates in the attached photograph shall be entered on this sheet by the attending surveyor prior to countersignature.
7:40
